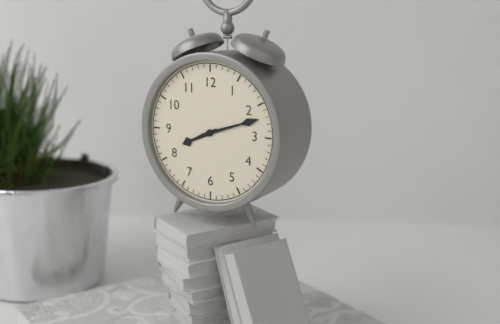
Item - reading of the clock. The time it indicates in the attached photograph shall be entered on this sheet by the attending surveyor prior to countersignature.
8:12
